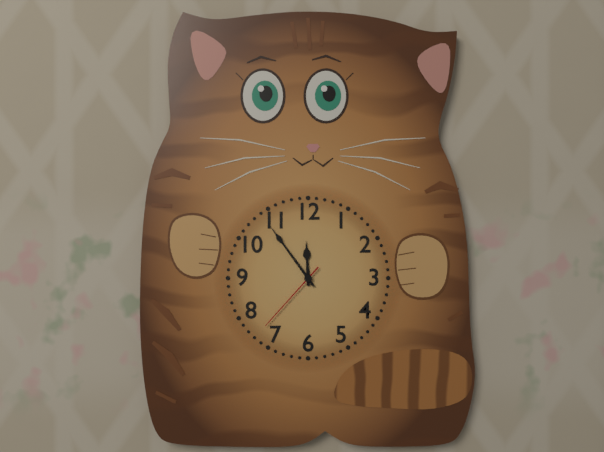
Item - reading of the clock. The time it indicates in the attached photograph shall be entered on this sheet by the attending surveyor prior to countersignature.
11:54:37
